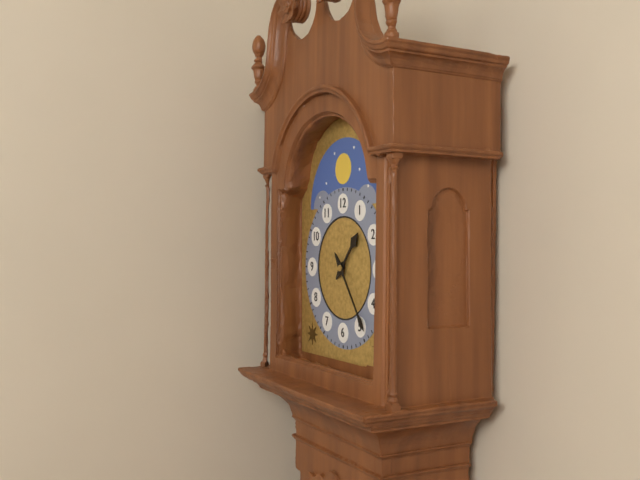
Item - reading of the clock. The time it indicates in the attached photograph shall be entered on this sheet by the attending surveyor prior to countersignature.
1:24
